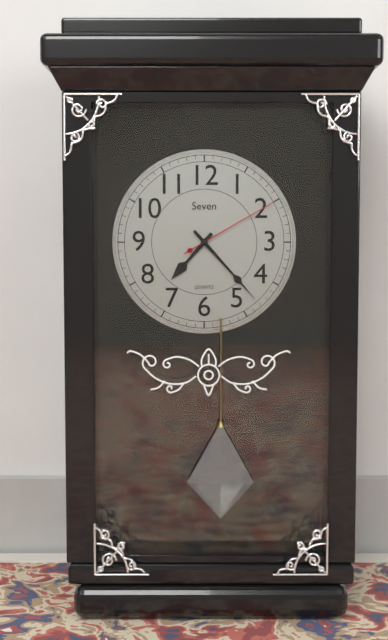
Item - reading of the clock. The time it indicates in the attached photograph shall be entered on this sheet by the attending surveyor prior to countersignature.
7:23:10
